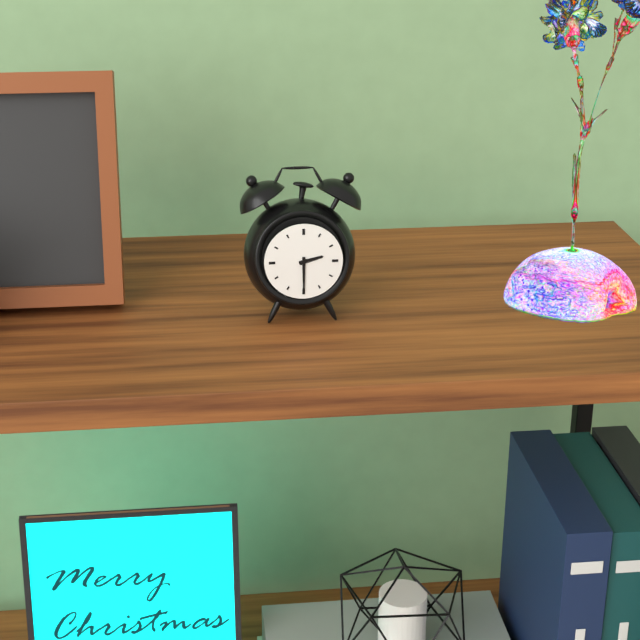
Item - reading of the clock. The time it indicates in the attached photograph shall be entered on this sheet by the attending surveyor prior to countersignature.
2:30
